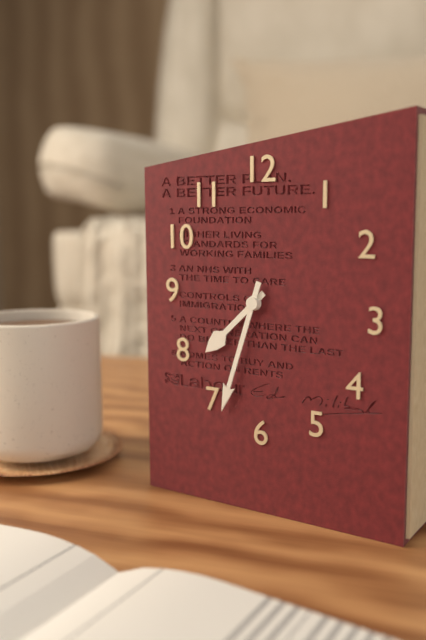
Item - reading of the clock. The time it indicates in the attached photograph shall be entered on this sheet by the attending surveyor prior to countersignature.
7:33
